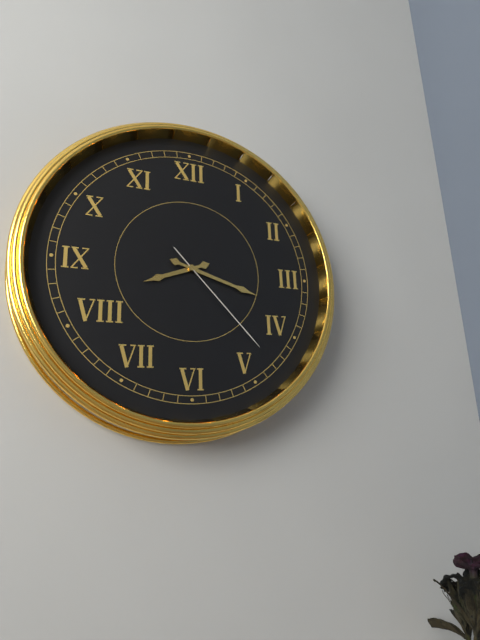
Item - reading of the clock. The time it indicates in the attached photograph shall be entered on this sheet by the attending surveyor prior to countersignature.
8:18:23
